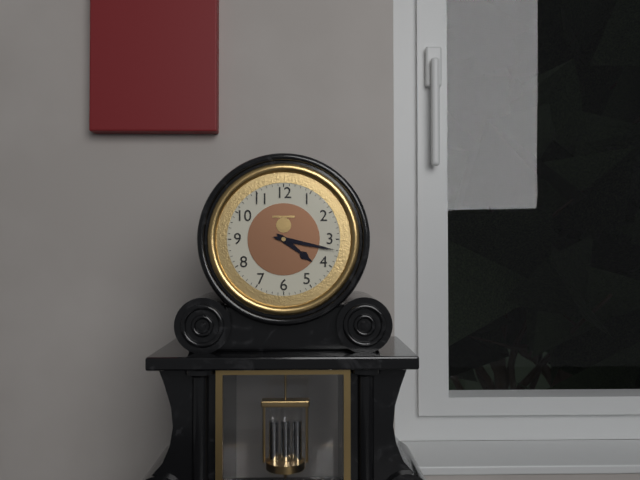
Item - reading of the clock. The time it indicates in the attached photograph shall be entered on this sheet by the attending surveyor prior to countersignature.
4:17
